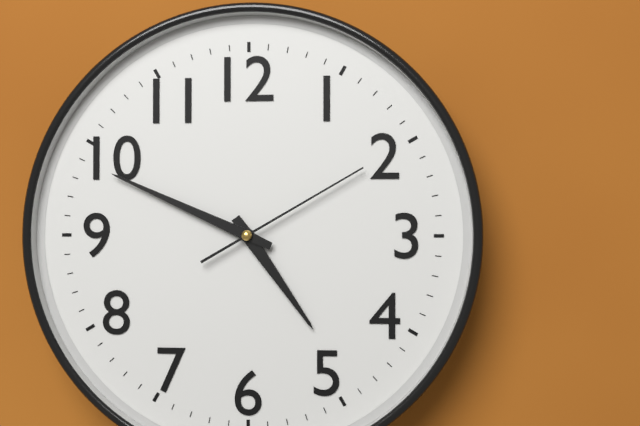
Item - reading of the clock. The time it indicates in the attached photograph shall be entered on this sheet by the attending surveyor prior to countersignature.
4:49:10
